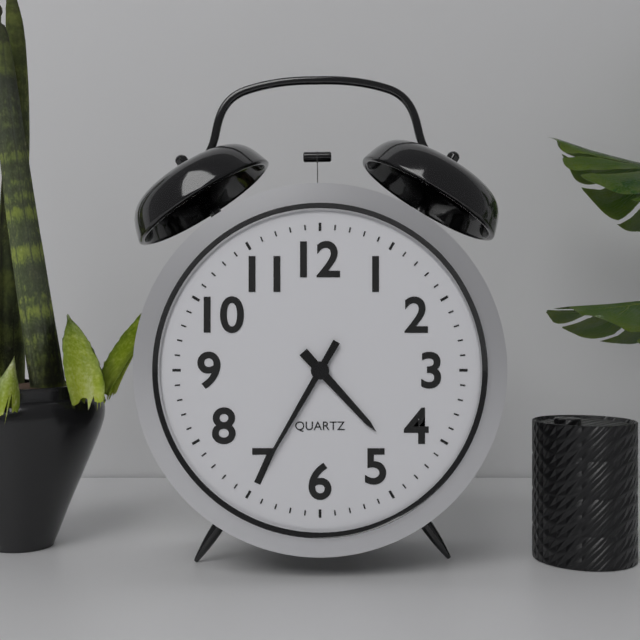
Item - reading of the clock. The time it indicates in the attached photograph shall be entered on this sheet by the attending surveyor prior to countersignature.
4:35
